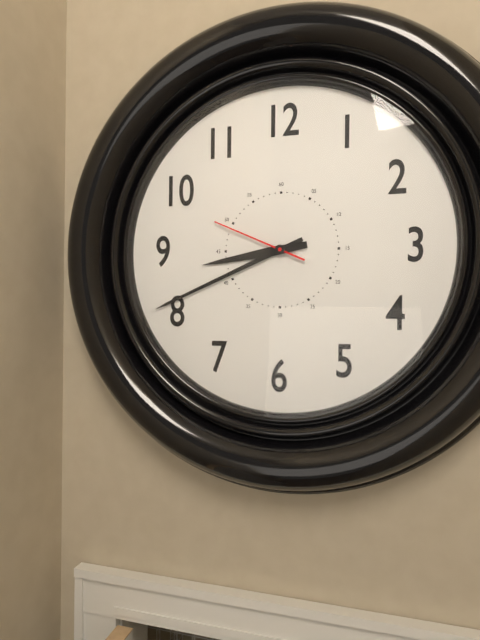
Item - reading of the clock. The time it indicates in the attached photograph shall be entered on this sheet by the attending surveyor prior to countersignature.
8:41:49
